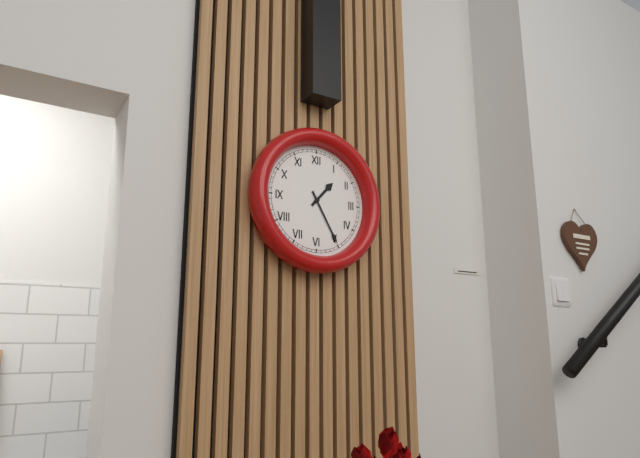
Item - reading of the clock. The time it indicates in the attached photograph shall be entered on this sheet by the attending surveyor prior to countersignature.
1:25
